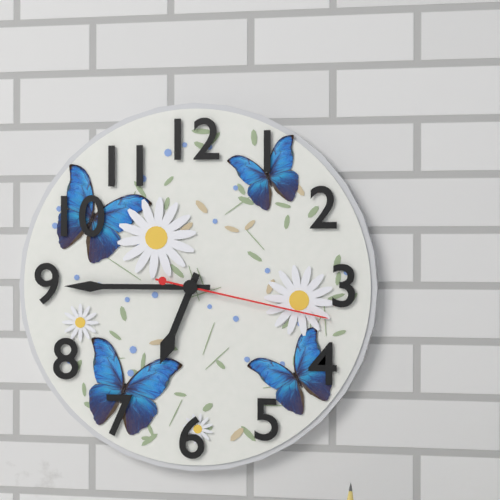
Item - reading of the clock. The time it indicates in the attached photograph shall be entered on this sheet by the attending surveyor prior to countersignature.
6:45:17
